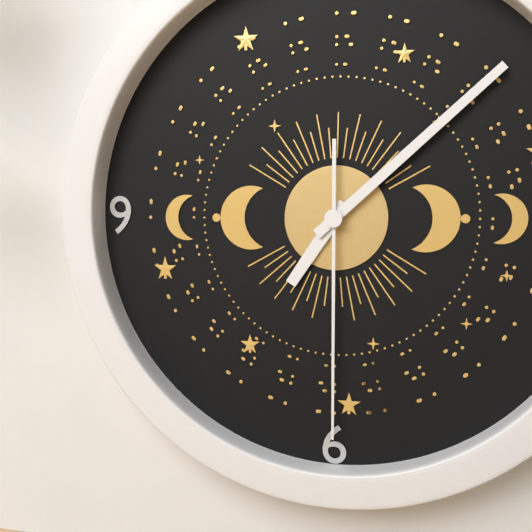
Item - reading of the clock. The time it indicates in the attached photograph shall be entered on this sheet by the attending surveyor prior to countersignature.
7:08:30
